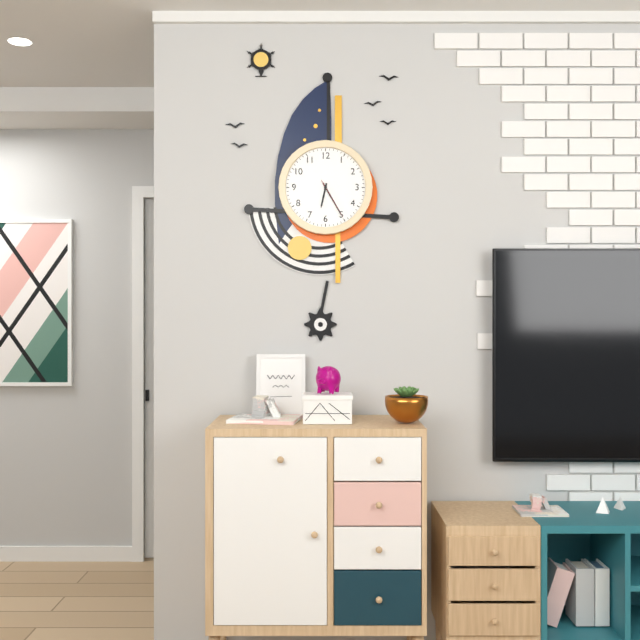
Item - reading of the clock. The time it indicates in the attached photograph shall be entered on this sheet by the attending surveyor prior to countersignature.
6:25
